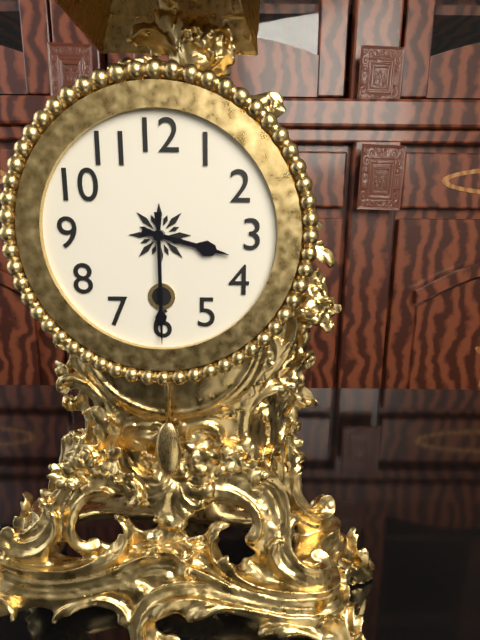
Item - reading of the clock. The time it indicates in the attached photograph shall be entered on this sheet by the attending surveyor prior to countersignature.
3:30
